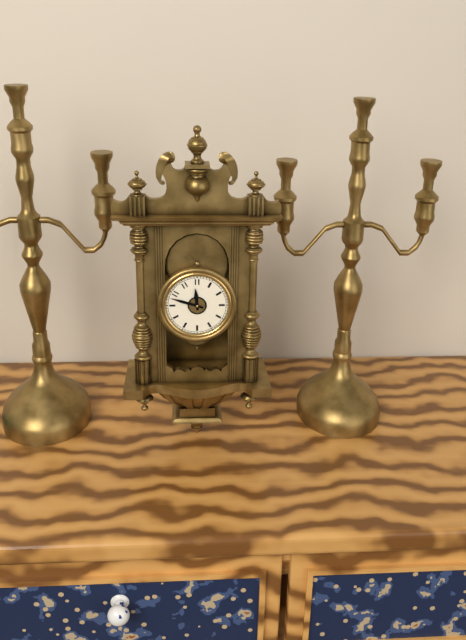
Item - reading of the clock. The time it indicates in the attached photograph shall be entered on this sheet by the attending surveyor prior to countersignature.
11:48
